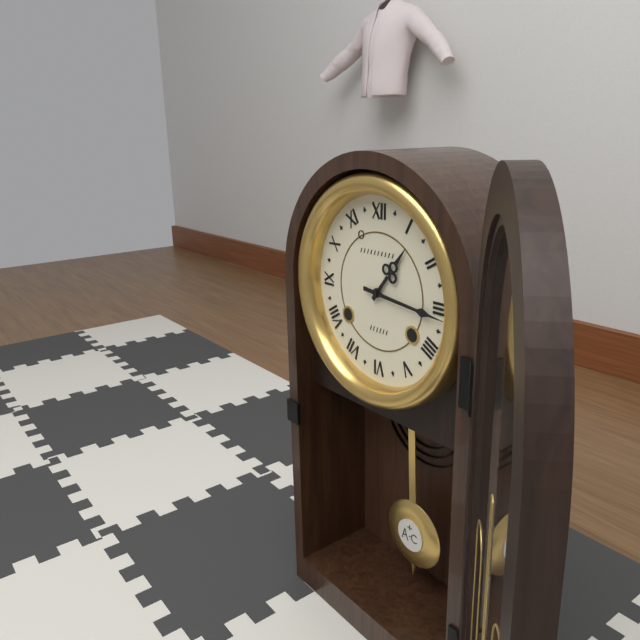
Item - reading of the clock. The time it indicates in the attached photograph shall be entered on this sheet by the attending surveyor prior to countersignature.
1:16
